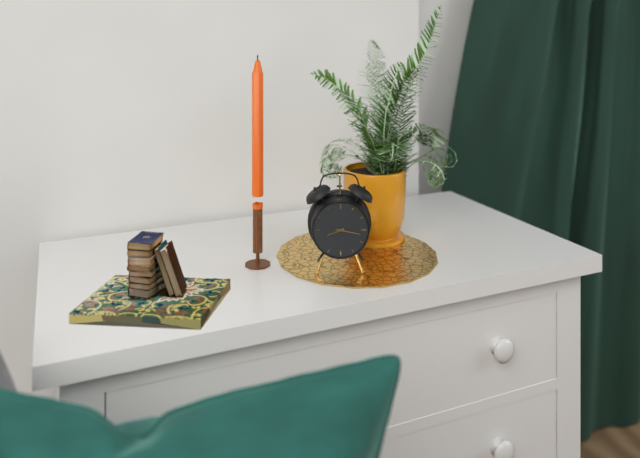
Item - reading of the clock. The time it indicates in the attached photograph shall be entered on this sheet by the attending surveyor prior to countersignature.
8:17
